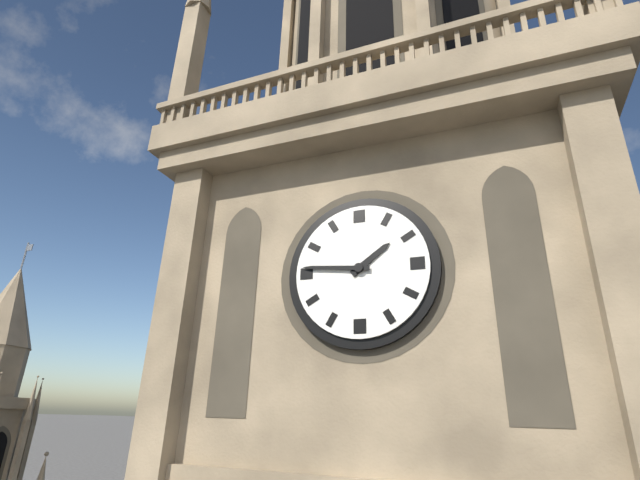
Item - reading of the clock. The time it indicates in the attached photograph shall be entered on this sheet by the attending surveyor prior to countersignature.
1:46
